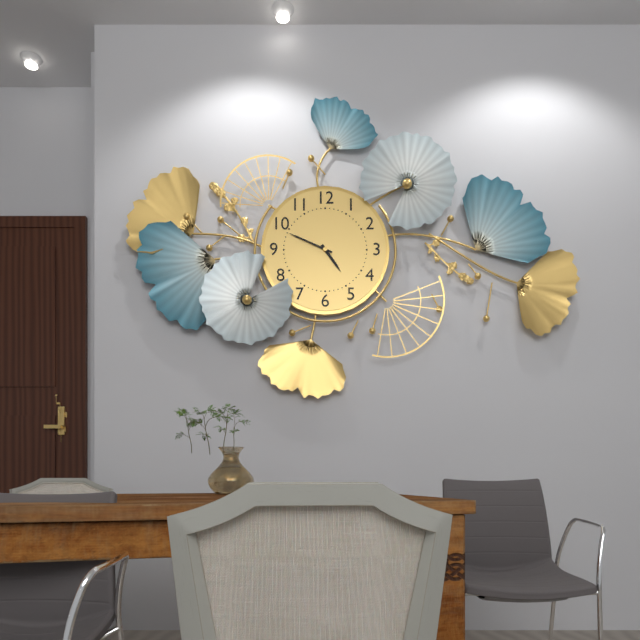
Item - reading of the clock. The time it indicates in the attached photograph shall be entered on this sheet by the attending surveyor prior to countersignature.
4:49
